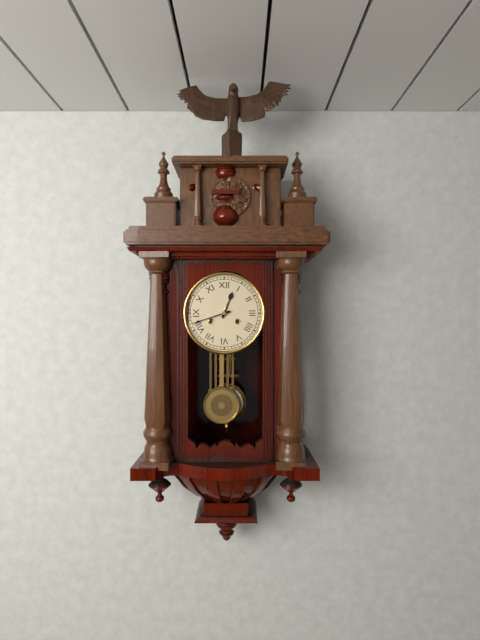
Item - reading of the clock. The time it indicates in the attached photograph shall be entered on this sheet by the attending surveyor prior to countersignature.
12:42
